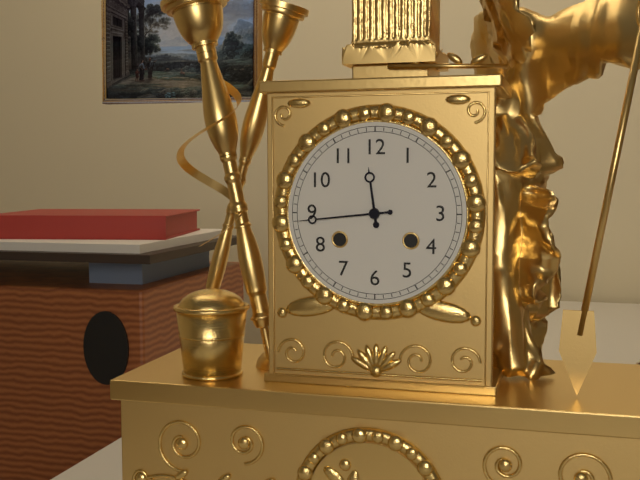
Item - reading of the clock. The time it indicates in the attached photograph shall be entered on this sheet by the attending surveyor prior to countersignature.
11:44
